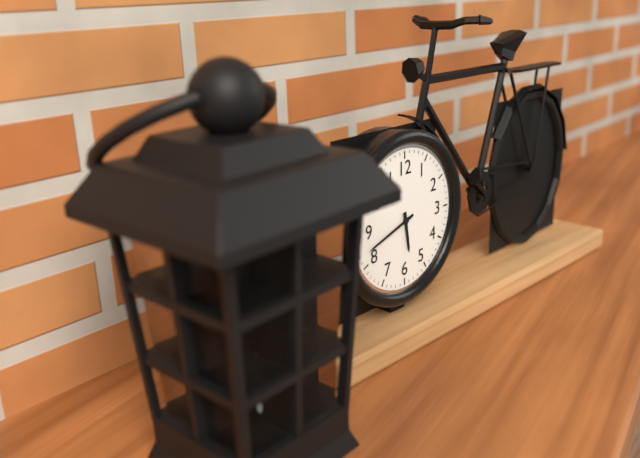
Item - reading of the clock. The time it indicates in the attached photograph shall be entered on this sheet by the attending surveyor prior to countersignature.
5:42
